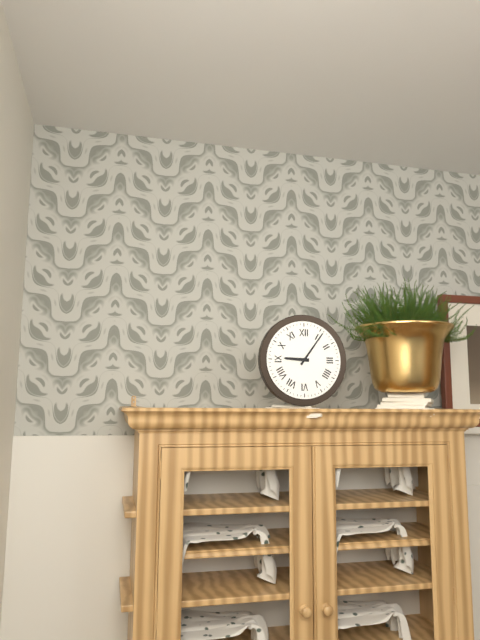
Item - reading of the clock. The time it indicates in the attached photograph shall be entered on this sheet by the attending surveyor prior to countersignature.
9:06
